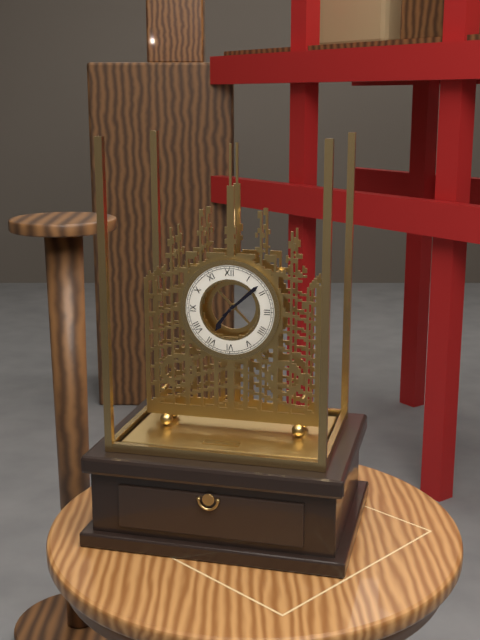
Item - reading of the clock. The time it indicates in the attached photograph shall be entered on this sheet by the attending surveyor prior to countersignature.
7:08
